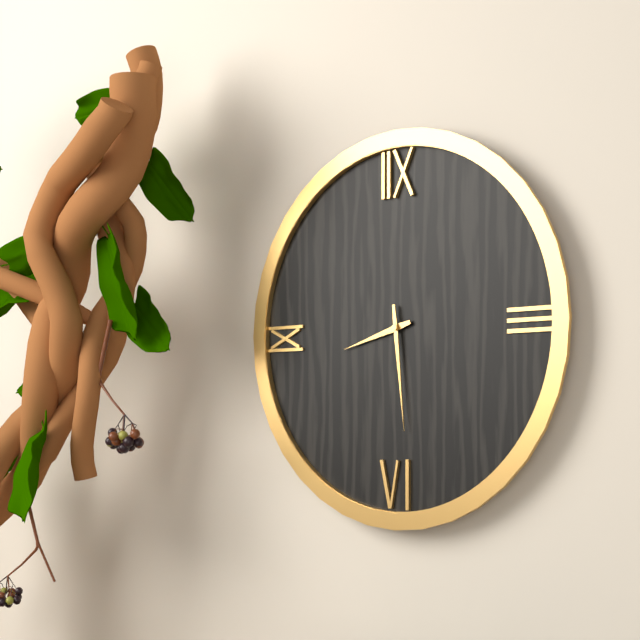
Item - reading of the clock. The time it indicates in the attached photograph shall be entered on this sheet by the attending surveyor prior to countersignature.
8:29
